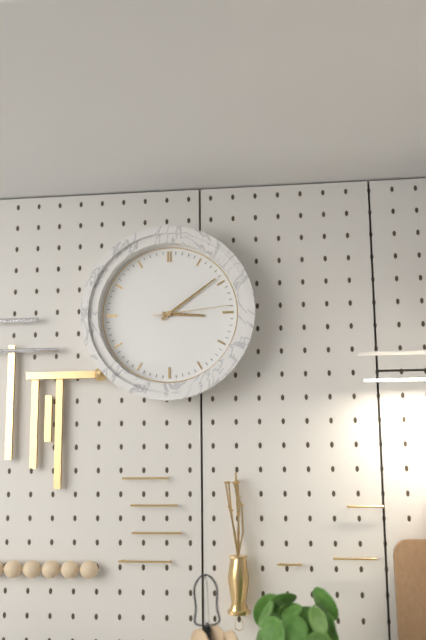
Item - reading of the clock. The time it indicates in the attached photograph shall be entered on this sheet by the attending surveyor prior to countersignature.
3:09:14
